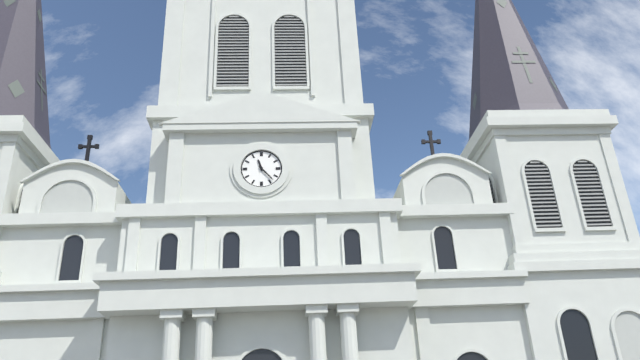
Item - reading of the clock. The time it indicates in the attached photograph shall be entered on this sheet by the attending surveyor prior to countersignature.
11:23
